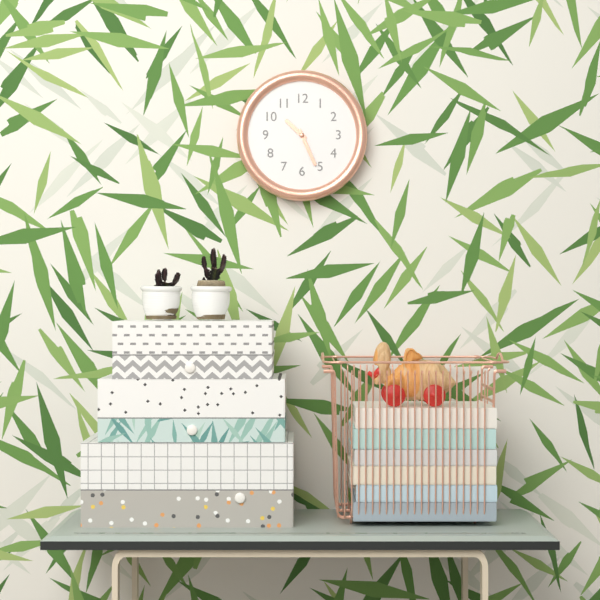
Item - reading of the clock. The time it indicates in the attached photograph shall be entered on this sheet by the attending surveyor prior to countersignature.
10:26
